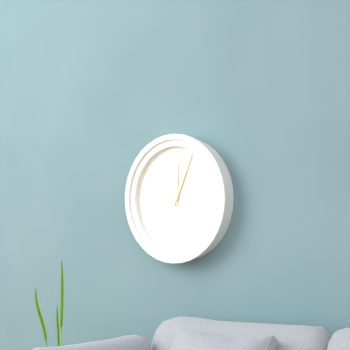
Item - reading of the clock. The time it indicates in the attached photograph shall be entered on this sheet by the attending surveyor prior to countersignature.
12:04
